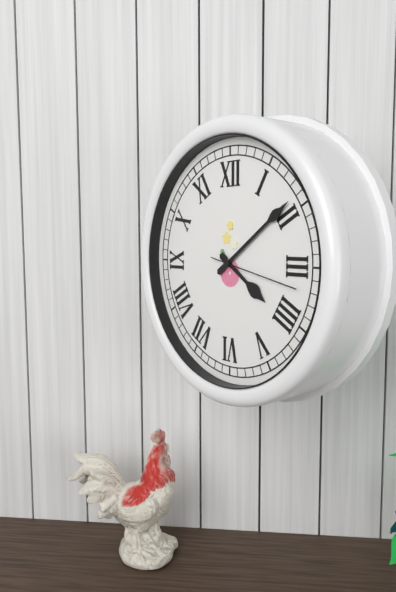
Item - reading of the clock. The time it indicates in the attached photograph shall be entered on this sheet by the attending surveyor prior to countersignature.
4:09:17
